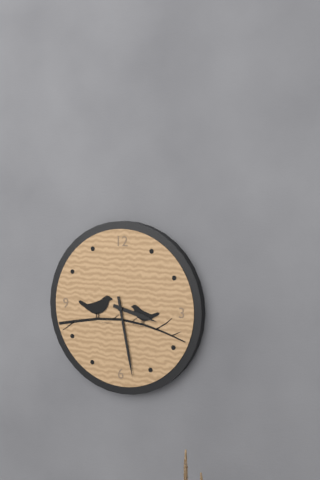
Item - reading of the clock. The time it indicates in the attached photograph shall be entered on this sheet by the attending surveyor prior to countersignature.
3:28
